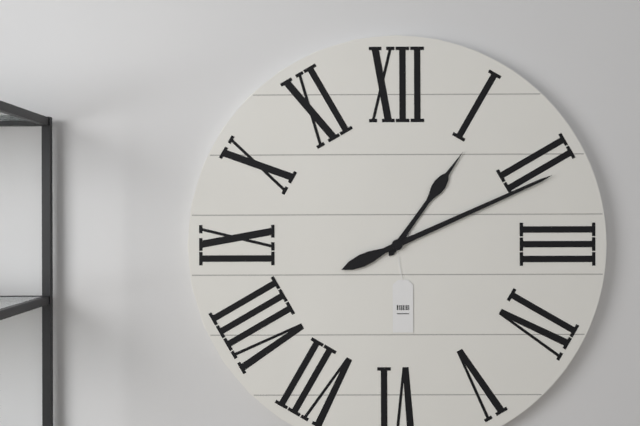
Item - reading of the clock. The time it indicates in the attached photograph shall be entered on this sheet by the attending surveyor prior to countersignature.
1:11
